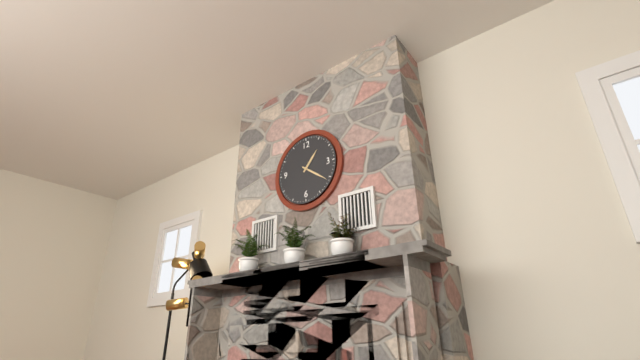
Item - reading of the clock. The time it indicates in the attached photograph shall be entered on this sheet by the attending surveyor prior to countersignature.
1:21
